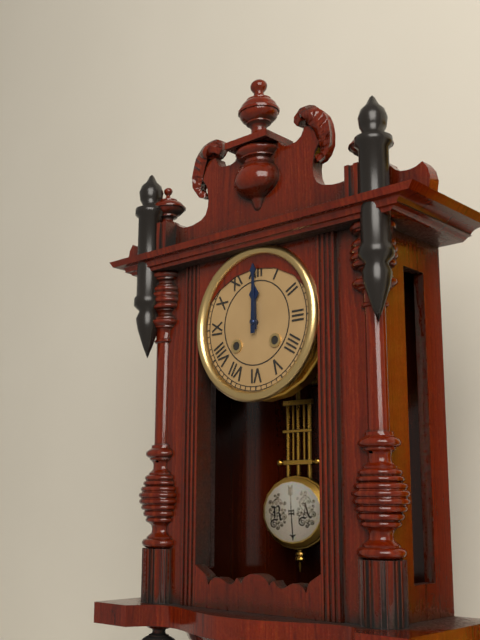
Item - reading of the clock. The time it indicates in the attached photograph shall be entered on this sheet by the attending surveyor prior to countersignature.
12:00
